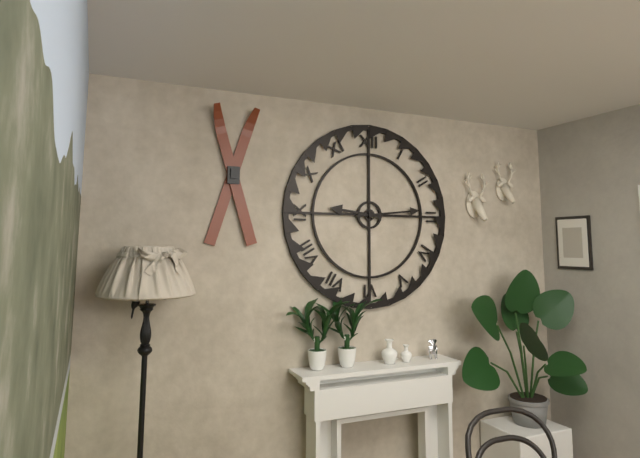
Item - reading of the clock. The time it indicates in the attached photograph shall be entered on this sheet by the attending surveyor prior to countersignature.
9:14
